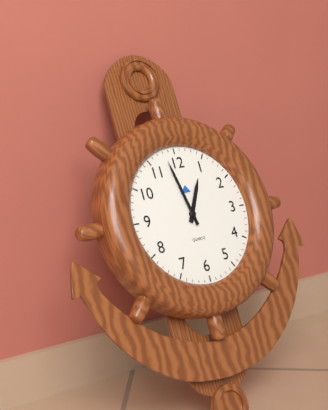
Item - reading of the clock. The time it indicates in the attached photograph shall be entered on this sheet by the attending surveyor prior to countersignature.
12:58
